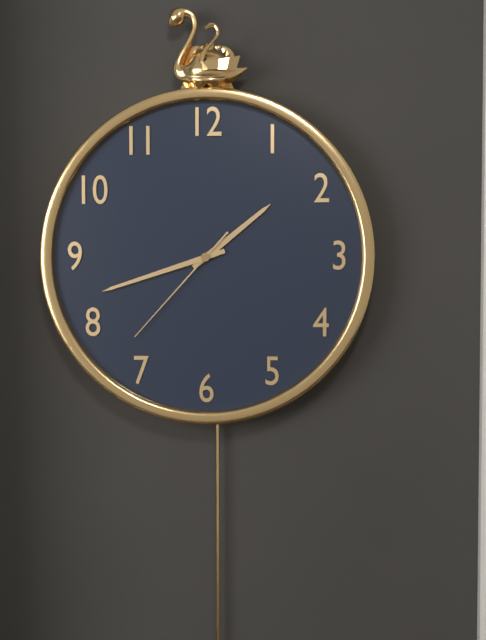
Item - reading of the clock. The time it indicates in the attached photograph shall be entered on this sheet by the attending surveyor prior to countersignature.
1:42:37
